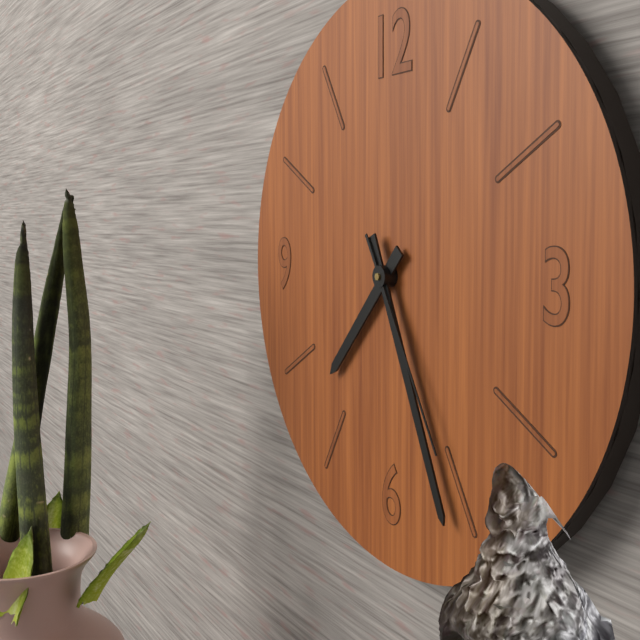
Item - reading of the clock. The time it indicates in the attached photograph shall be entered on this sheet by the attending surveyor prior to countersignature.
7:26:25
